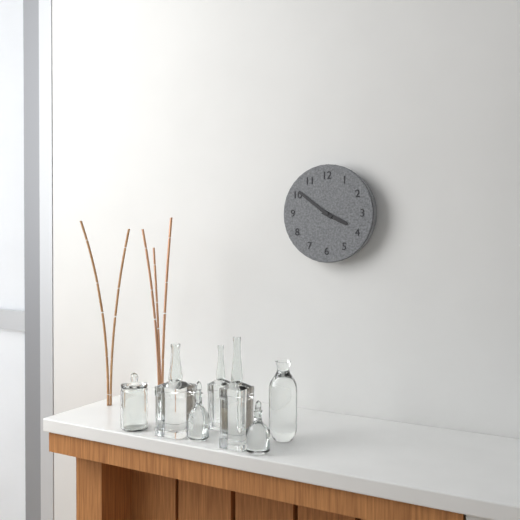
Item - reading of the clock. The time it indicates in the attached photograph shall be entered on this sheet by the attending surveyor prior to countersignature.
3:51
